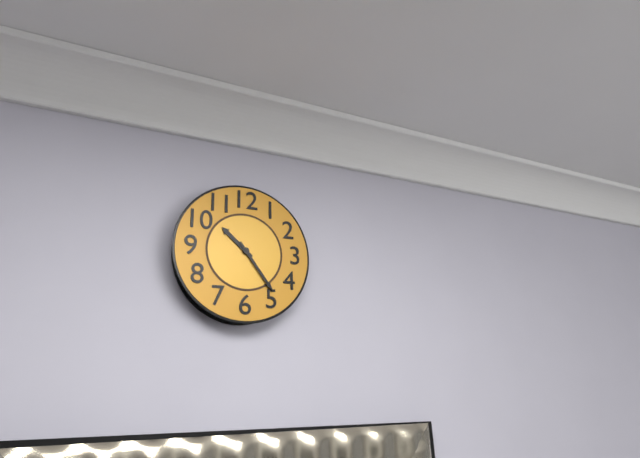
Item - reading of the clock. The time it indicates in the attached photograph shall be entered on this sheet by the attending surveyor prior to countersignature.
10:24
